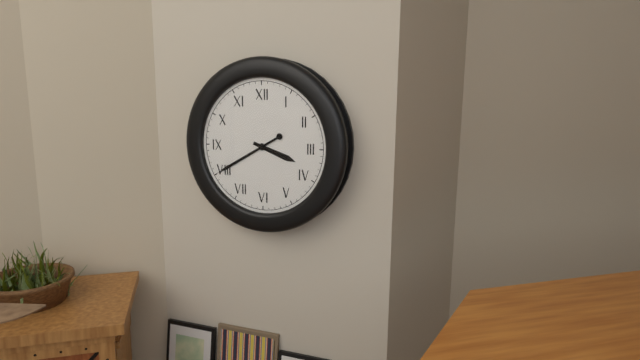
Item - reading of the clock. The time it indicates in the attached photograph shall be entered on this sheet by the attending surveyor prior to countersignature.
3:40
